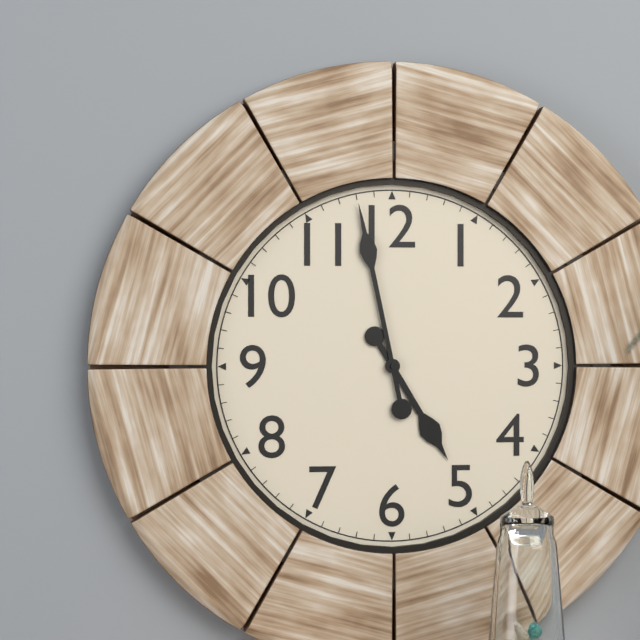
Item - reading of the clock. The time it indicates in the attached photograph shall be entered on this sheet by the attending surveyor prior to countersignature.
4:58
